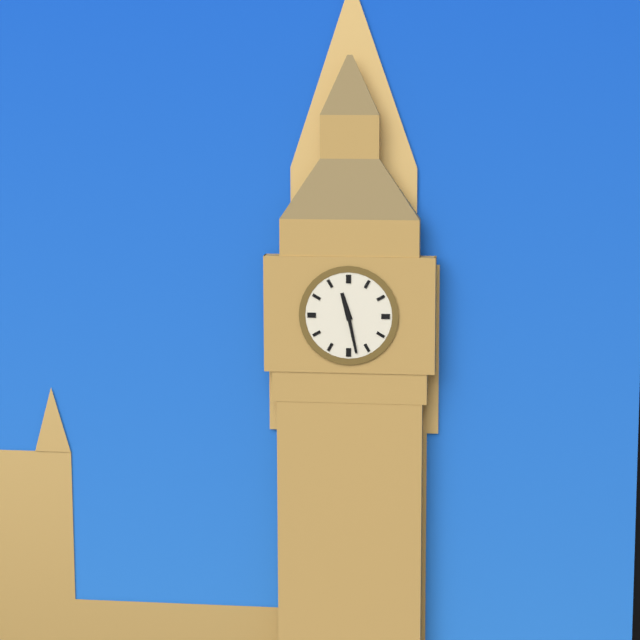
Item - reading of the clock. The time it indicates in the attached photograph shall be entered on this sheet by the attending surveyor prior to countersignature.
11:28
